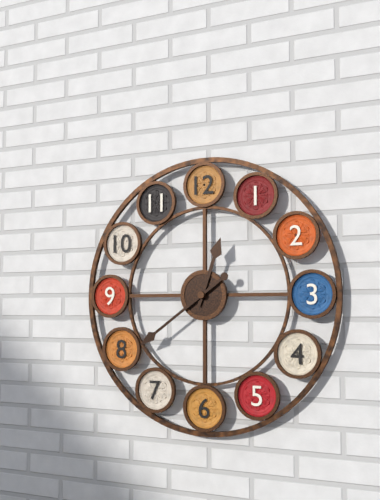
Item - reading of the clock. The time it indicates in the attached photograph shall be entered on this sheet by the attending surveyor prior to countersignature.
12:39
